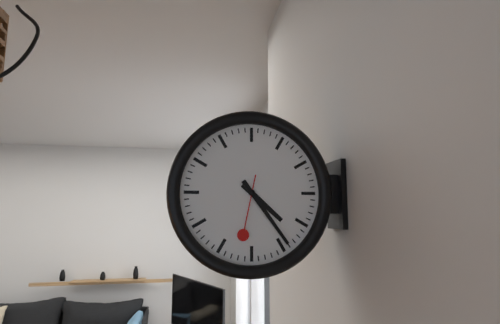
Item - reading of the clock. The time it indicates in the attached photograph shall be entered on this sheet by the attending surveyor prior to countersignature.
4:24:32
